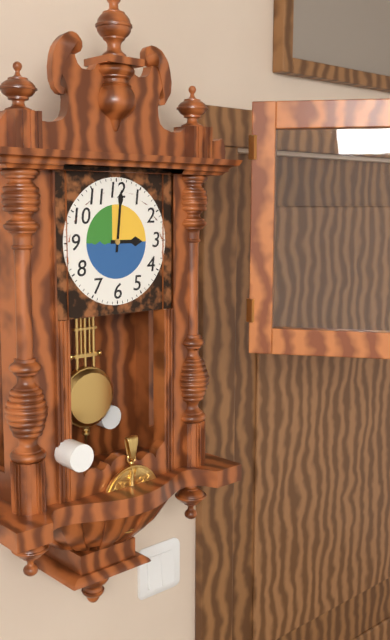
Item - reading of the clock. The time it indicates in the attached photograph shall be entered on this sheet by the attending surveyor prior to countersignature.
3:01
